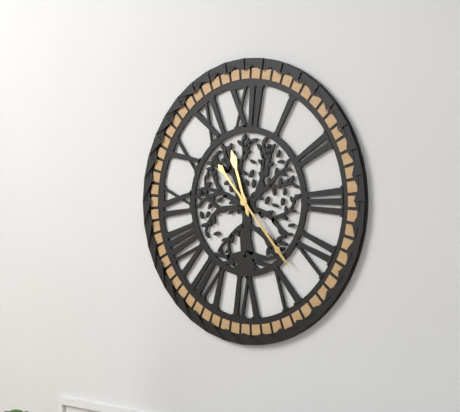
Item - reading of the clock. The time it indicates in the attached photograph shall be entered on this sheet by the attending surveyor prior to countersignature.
11:23
